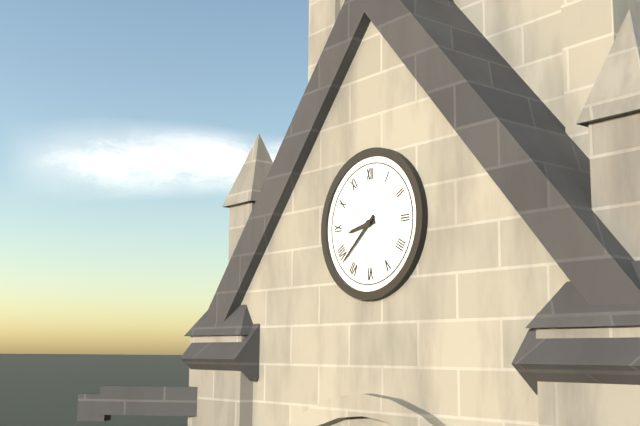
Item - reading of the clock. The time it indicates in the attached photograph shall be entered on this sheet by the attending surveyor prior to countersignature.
8:38
